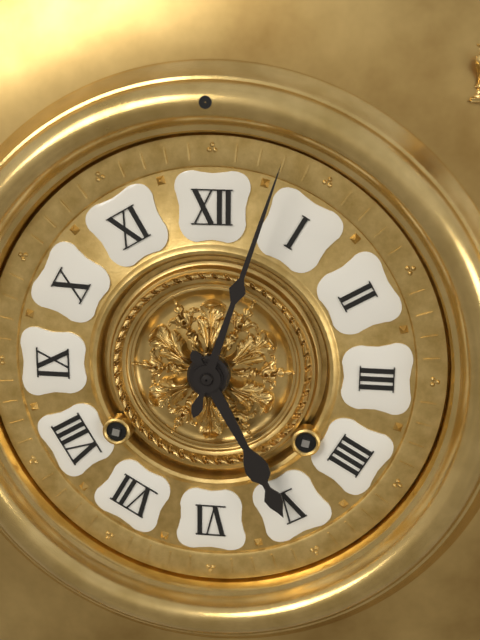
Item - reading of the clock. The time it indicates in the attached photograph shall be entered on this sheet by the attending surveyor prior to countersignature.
5:03
